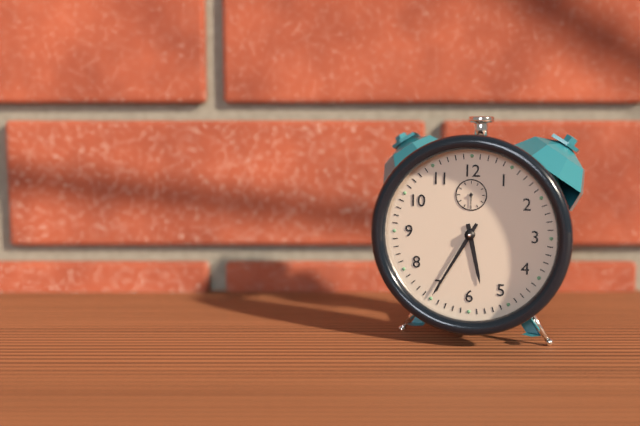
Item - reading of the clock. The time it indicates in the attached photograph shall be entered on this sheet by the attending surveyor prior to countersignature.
5:35
